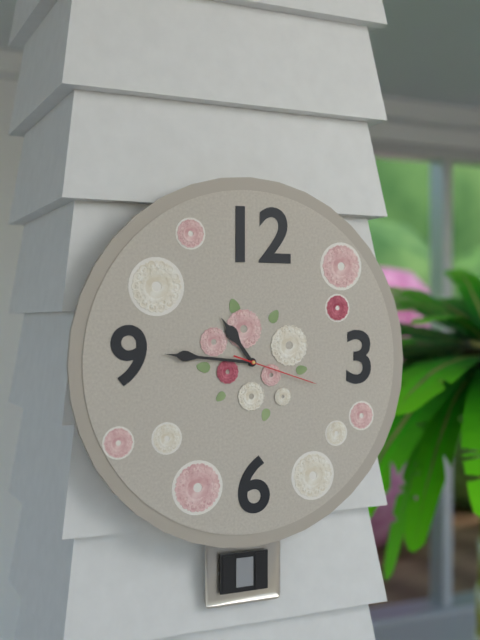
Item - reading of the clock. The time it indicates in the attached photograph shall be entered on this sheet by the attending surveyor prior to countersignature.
10:46:18
